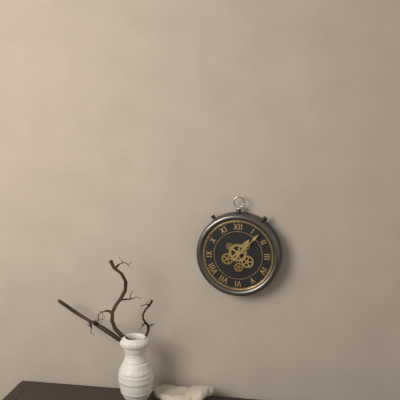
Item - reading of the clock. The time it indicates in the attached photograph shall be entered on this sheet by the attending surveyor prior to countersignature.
1:07
